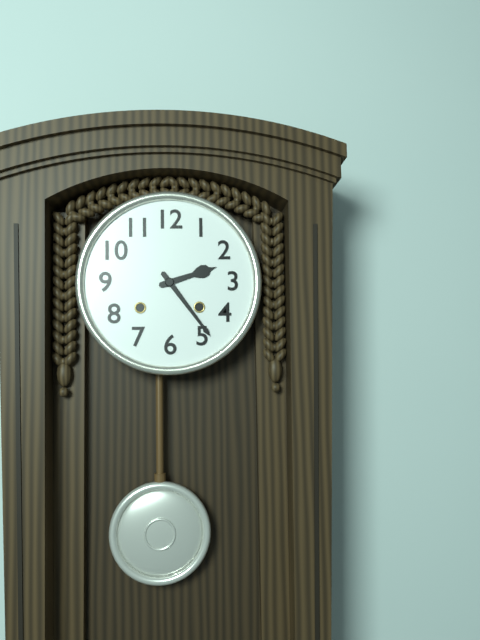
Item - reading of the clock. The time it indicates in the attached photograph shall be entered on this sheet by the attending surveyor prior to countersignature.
2:24
